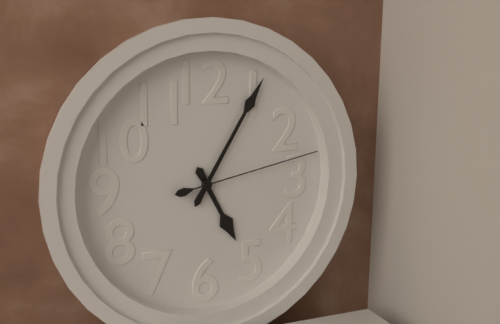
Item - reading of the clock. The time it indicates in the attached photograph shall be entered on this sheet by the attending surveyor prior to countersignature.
5:05:13
